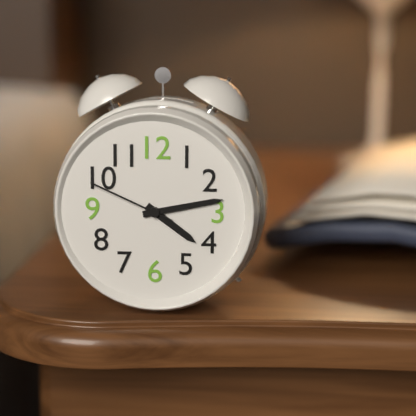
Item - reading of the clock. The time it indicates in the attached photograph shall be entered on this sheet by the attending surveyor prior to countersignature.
4:13:49
